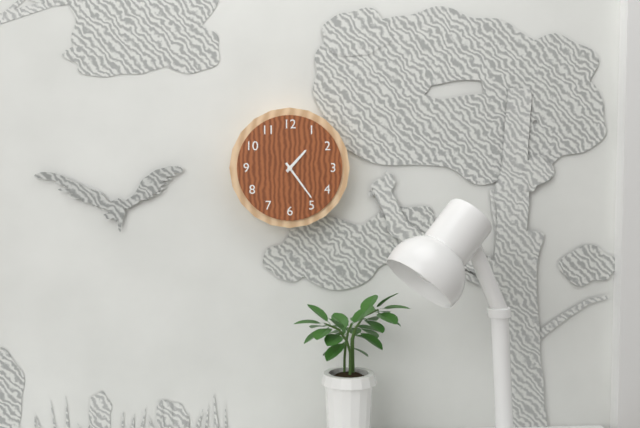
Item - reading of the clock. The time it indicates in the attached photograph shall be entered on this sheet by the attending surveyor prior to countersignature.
1:24
